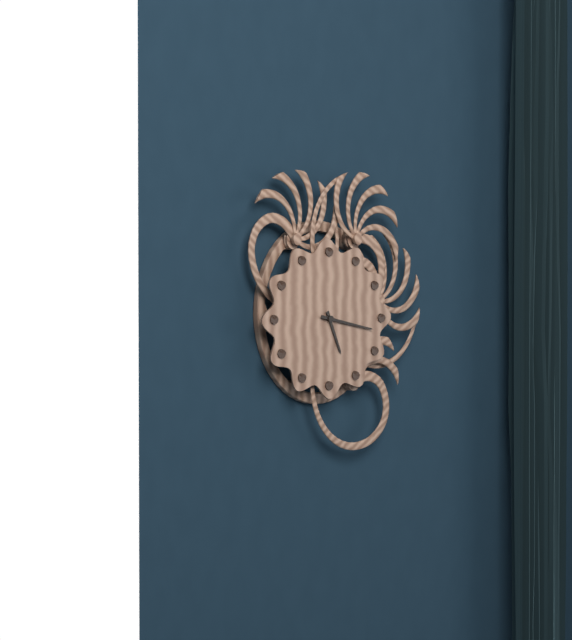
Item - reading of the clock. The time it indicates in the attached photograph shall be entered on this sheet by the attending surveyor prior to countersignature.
5:17
